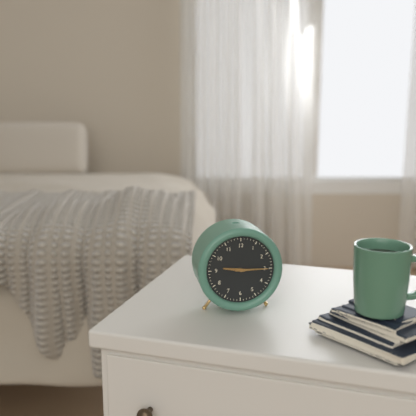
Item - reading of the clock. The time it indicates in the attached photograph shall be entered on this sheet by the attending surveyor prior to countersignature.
9:15
